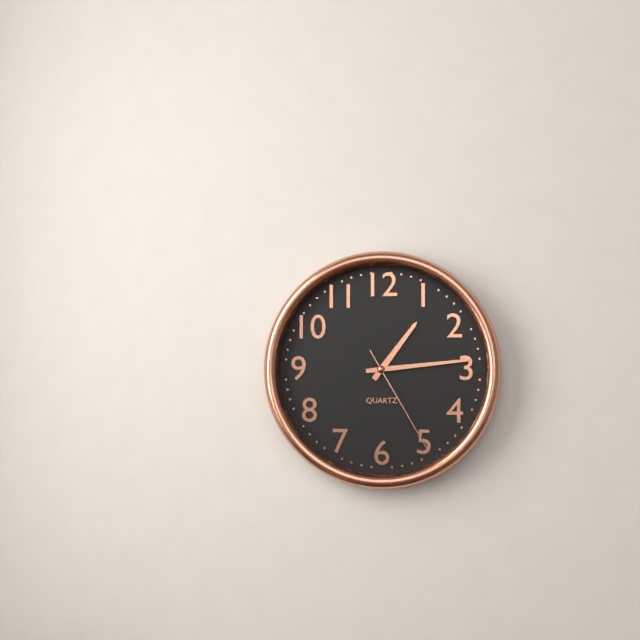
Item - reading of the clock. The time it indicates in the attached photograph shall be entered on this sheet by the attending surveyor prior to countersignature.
1:14:25
